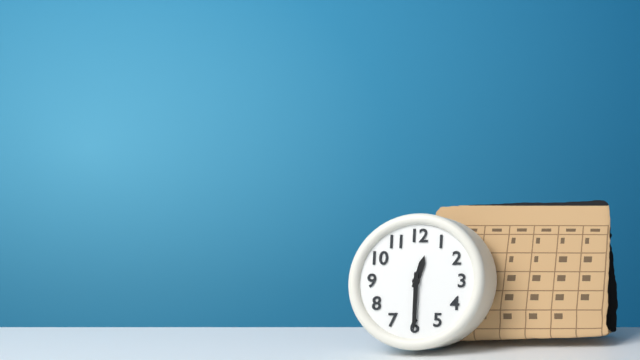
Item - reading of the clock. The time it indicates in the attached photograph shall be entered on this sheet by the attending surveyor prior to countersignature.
12:30
